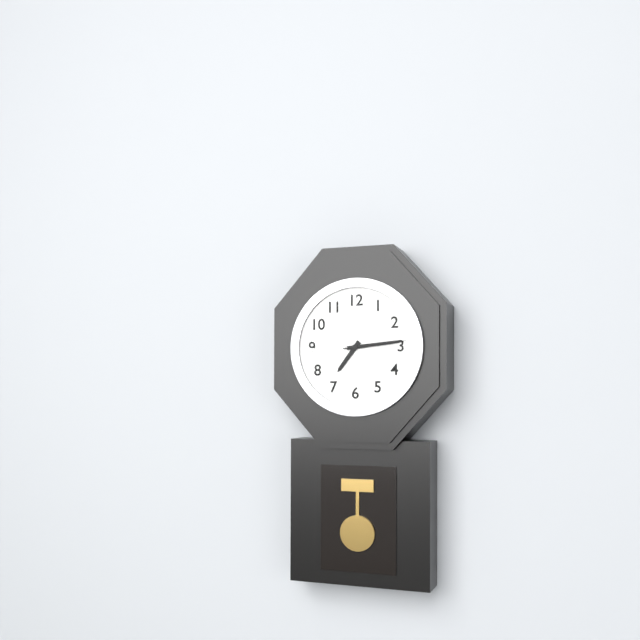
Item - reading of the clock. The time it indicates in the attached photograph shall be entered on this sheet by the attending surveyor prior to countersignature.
7:14
